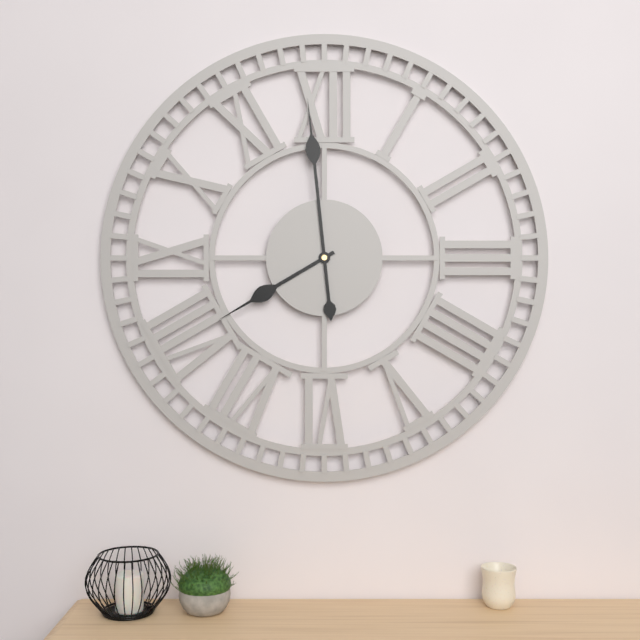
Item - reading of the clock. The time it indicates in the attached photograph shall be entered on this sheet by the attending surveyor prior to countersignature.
7:59
